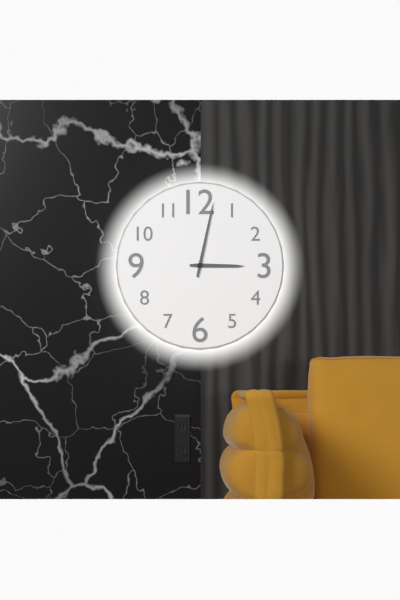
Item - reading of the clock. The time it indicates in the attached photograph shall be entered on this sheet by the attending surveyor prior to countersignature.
3:02
